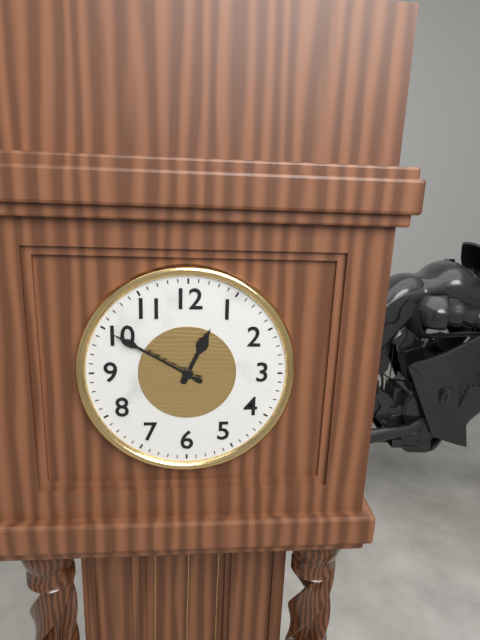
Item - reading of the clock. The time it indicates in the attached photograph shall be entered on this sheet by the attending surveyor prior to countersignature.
12:50
